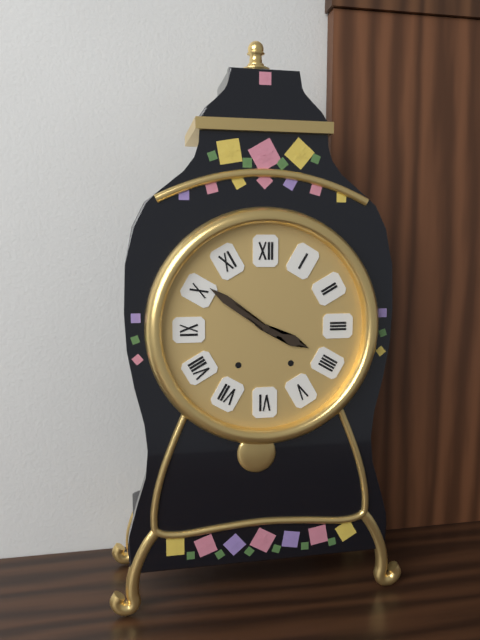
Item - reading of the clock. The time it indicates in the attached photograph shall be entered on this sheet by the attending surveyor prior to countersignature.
3:51
